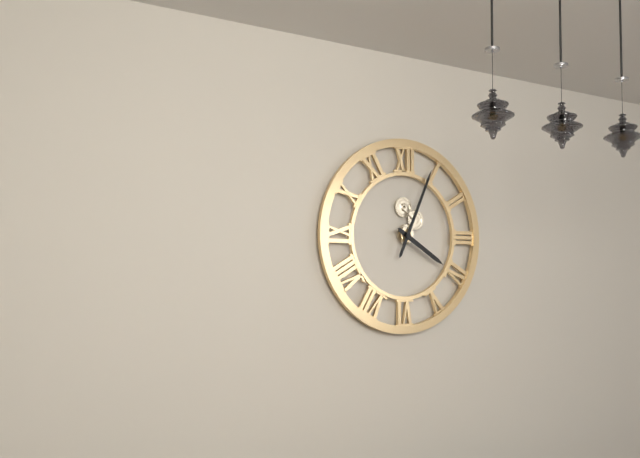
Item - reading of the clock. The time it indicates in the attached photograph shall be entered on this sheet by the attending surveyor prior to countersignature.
4:04
